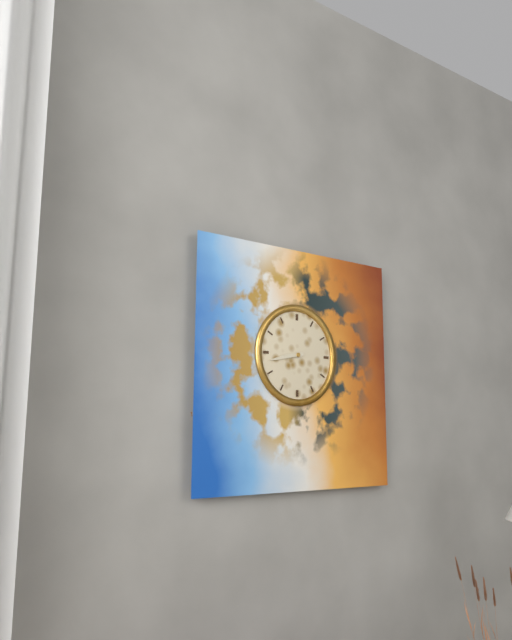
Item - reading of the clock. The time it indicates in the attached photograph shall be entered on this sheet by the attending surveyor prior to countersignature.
8:43
